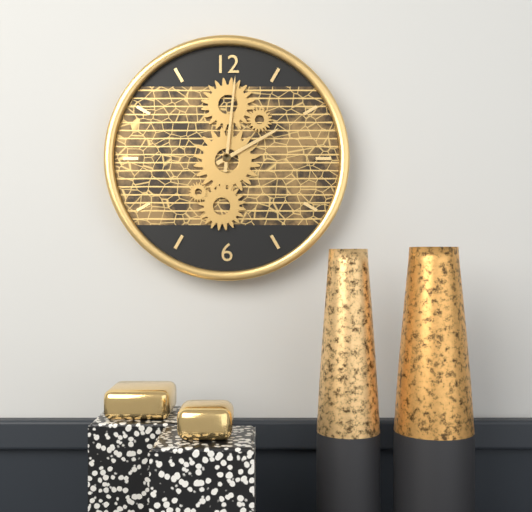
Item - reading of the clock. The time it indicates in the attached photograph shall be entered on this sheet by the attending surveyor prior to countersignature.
2:01
